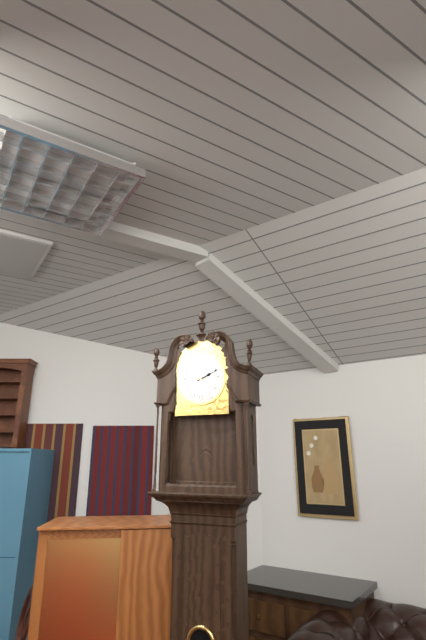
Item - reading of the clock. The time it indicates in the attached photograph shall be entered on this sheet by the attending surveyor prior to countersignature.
2:11
